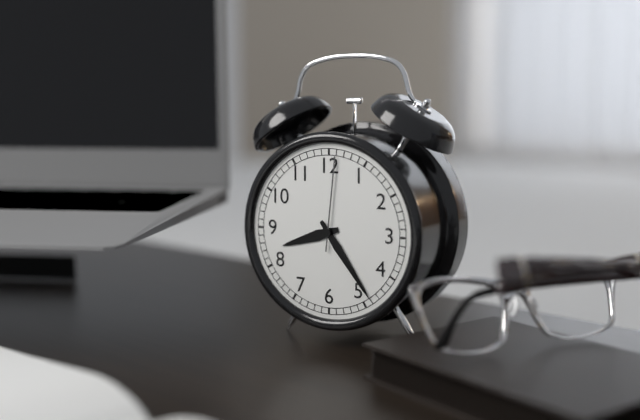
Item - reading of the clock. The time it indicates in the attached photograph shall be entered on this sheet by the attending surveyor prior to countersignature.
8:24:01
